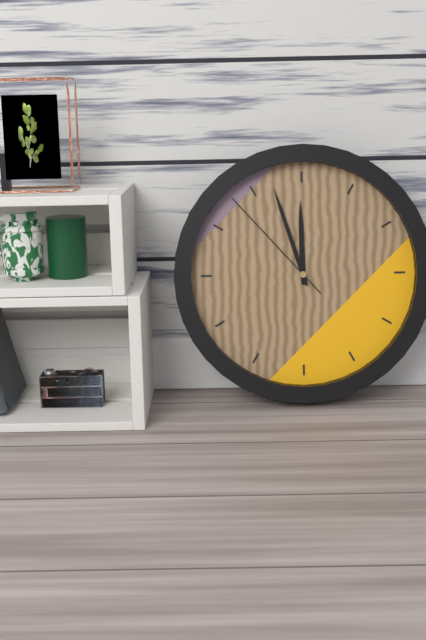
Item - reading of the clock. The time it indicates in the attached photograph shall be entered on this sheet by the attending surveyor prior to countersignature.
11:57:53
